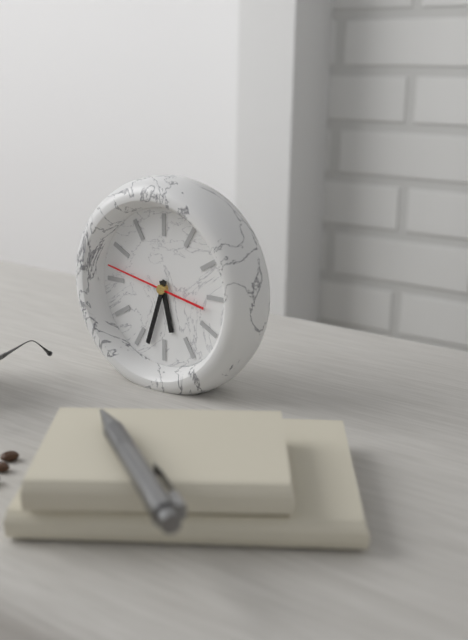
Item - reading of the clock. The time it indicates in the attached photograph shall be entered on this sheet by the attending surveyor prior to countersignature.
5:33:47
